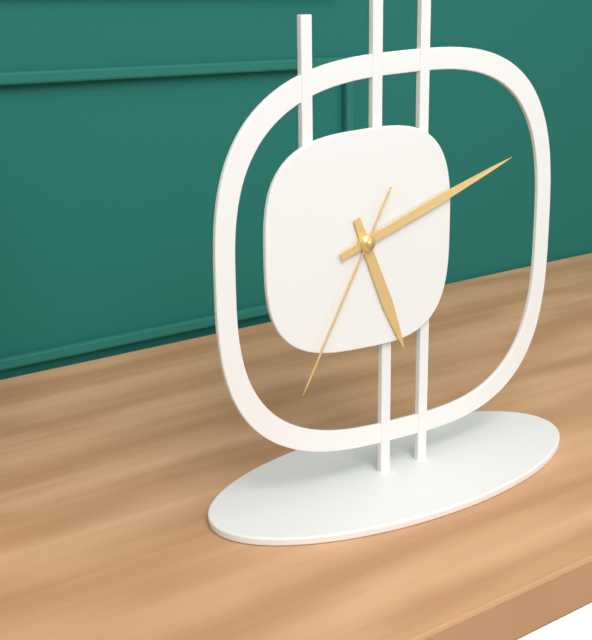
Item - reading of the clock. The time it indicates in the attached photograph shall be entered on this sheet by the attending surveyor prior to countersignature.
5:12:35
